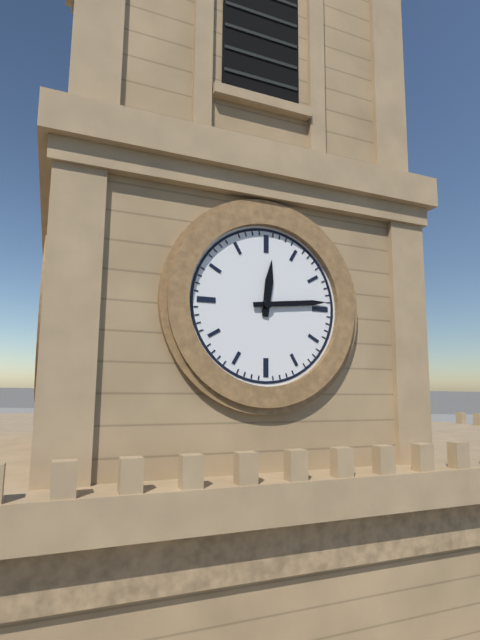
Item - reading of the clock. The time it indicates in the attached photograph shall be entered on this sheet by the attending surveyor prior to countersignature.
12:14
